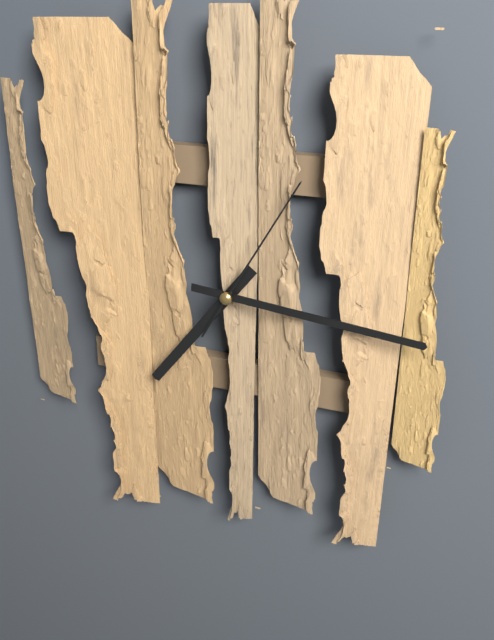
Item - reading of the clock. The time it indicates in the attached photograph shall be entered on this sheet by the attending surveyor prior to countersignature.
7:16:05
